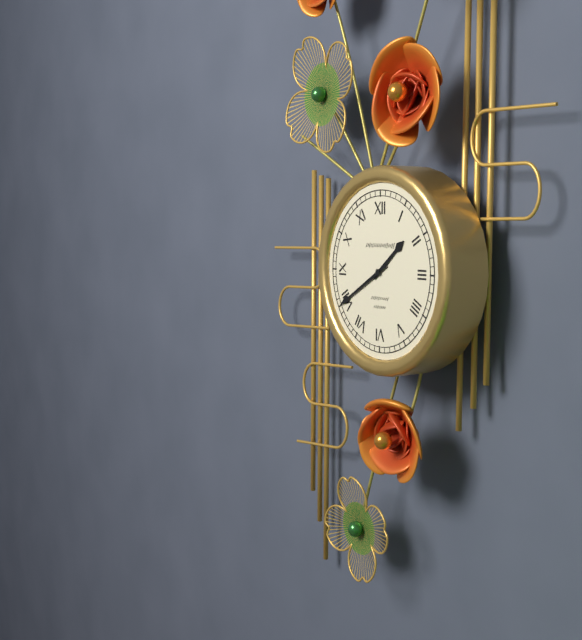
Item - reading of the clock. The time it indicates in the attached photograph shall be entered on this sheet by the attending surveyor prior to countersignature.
1:40
